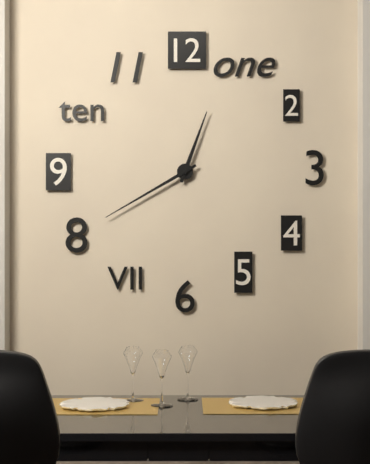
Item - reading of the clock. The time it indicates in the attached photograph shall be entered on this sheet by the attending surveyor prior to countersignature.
12:40
